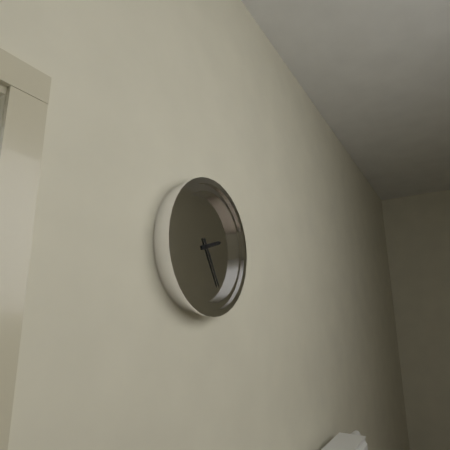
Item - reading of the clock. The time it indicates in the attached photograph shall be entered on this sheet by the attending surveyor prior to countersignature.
2:25
